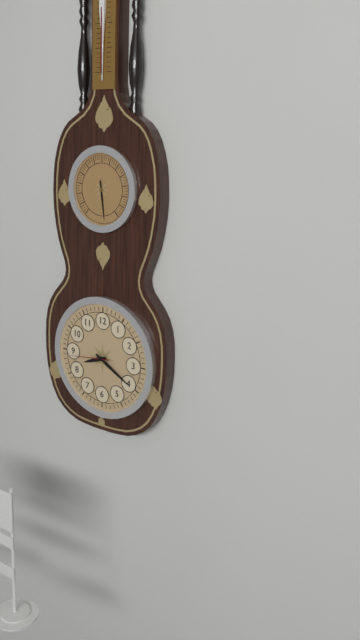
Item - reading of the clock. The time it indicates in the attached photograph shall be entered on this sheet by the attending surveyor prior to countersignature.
8:20
